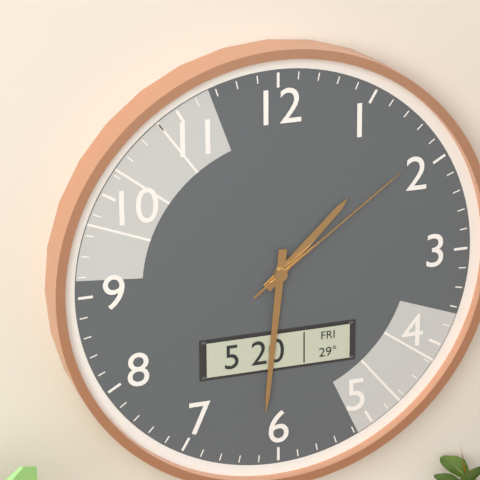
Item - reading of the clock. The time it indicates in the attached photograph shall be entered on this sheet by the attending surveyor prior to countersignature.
1:31:09
